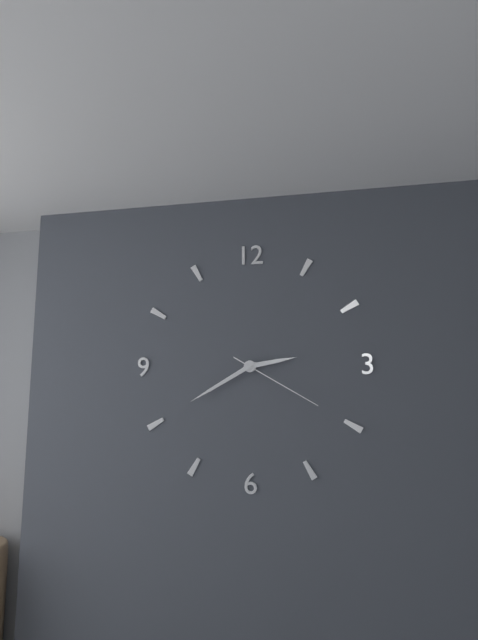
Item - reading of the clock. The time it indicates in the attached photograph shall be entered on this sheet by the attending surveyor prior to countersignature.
2:40:20
